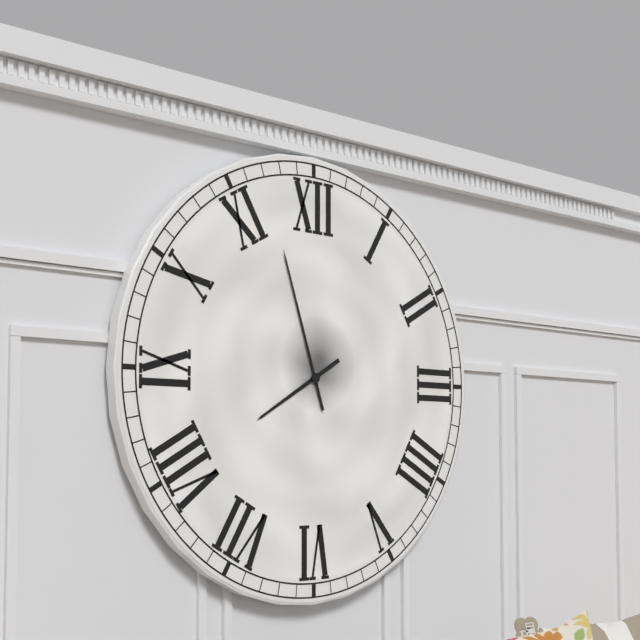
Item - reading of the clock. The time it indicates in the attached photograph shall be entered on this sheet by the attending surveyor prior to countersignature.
7:57
